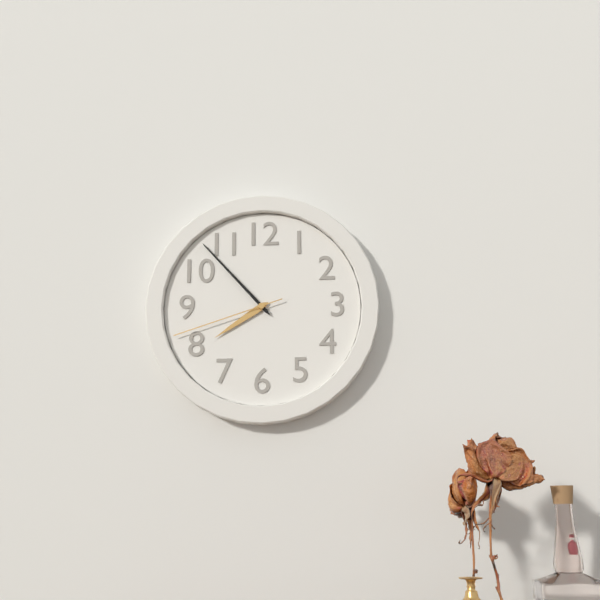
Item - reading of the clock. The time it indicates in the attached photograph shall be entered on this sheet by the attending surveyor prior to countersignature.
7:53:42
